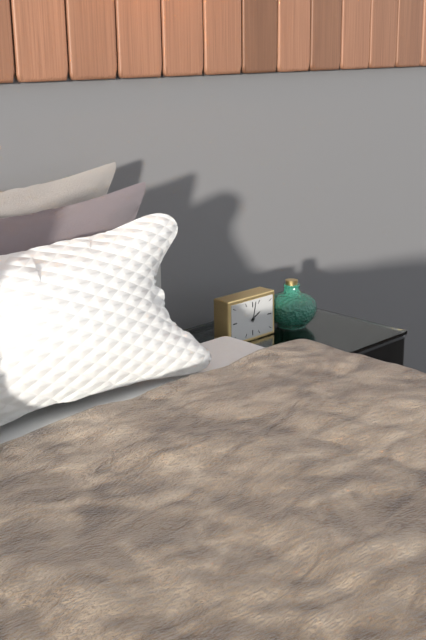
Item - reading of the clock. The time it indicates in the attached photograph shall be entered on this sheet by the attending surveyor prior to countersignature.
2:02
